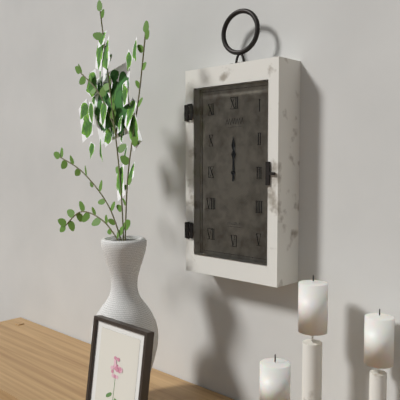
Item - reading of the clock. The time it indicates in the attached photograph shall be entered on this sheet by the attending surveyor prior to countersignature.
12:00
